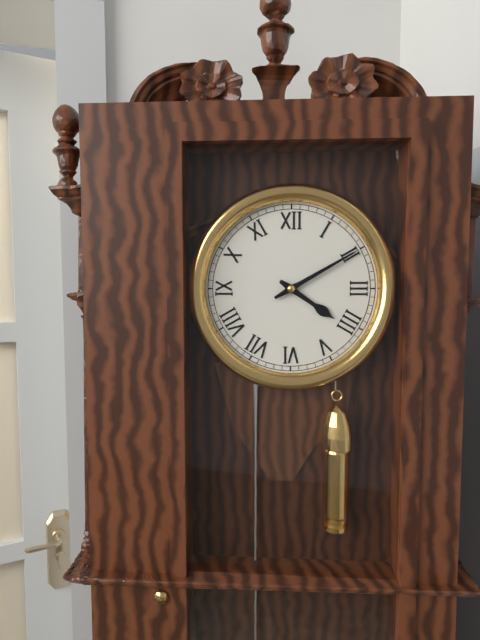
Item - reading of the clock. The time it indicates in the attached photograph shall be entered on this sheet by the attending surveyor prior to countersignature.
4:10
